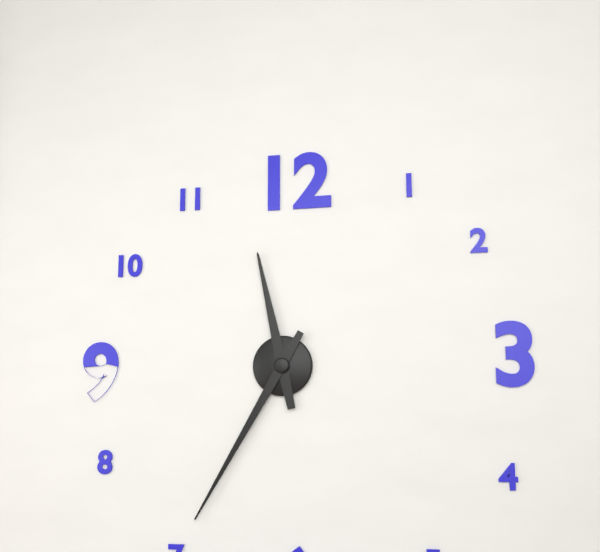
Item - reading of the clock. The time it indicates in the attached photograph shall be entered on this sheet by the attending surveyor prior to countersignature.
11:35
